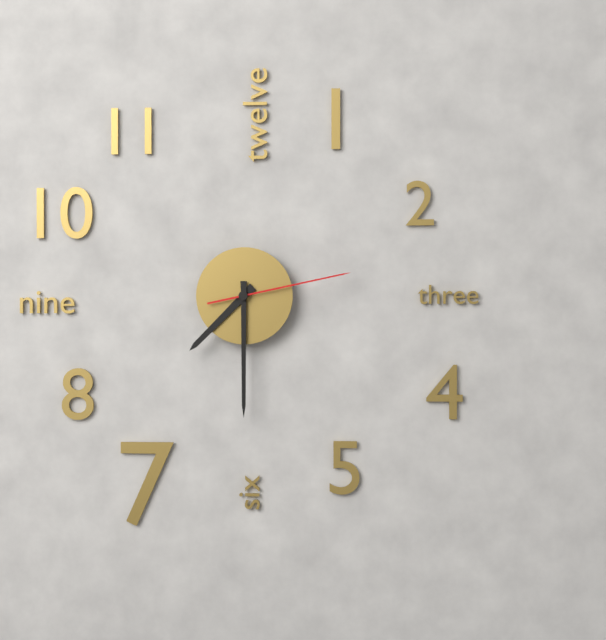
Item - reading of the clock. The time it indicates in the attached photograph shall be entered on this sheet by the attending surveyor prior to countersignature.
7:30:13
